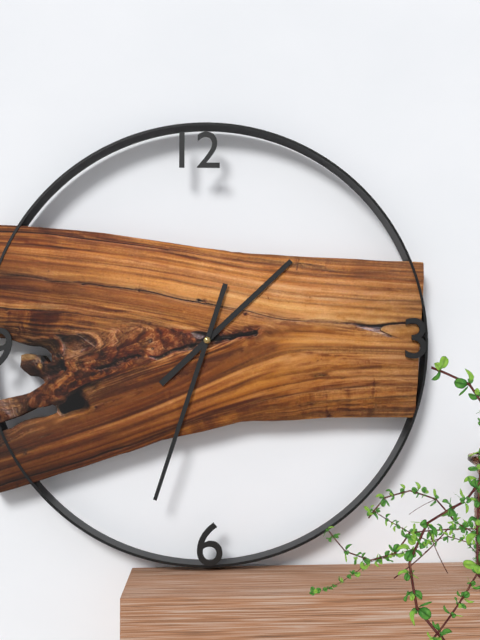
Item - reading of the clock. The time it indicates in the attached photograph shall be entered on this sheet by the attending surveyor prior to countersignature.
1:33
